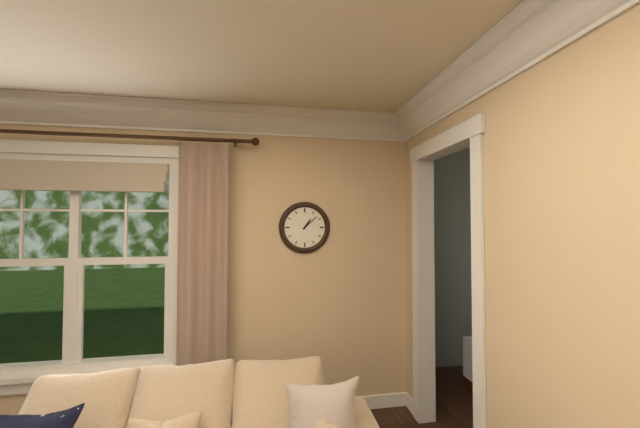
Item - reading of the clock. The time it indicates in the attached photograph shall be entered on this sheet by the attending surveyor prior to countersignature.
1:08
